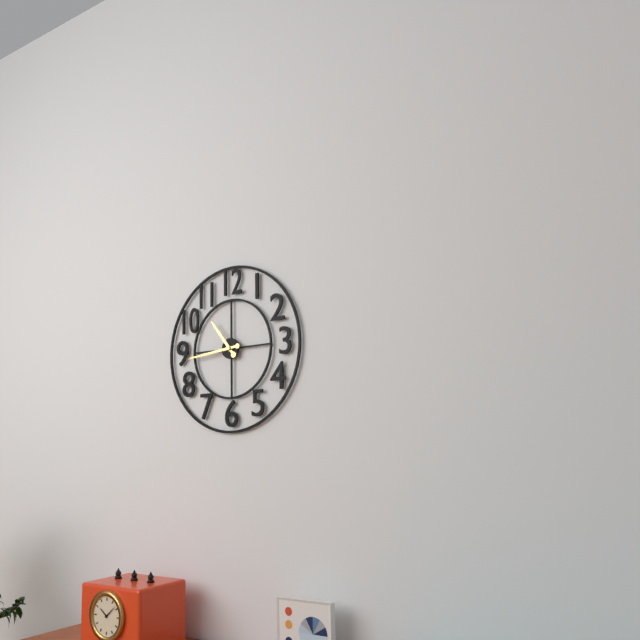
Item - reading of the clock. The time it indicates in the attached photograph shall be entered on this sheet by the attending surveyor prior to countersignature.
10:44
